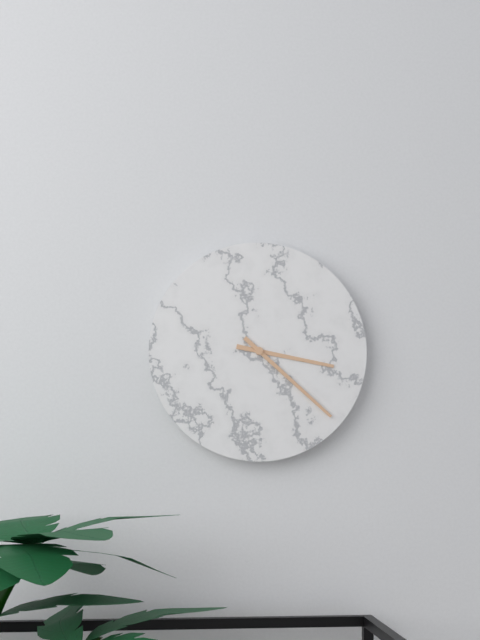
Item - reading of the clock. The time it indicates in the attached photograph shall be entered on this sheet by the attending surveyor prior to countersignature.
3:22
